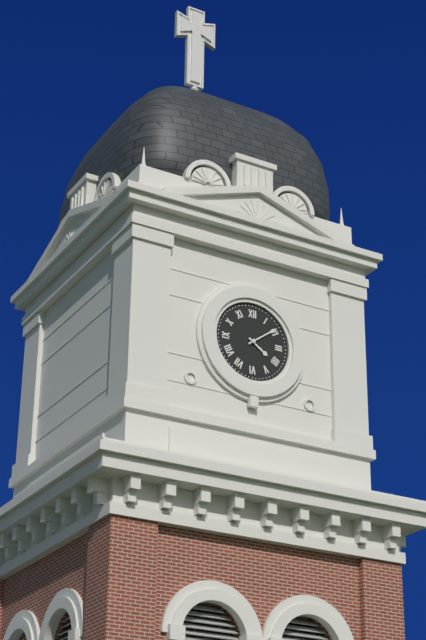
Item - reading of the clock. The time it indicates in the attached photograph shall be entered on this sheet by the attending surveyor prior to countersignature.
4:09
